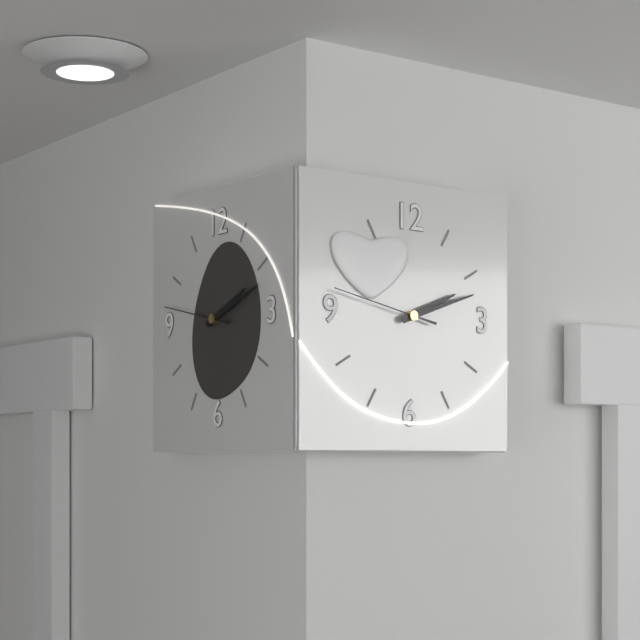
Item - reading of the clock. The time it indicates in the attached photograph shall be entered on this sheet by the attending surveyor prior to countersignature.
2:12:47
